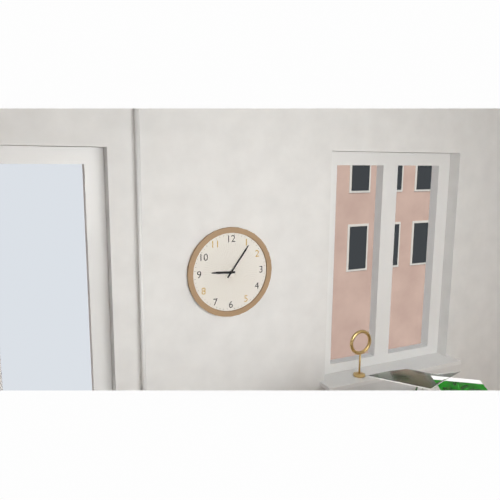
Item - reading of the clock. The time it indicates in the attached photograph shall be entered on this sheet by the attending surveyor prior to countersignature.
9:06
